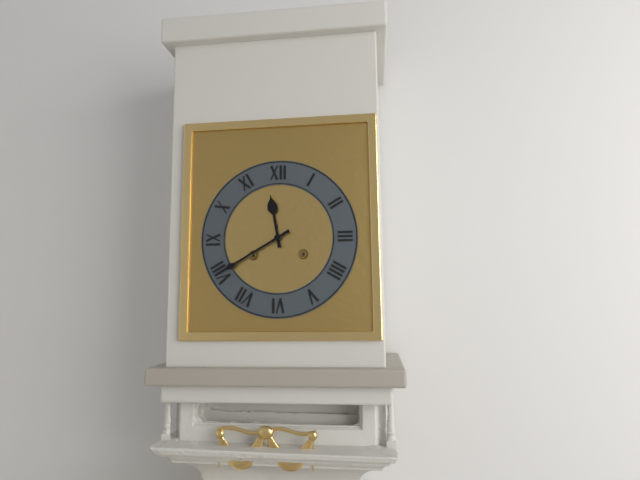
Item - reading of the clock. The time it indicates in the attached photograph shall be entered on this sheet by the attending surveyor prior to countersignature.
11:40
